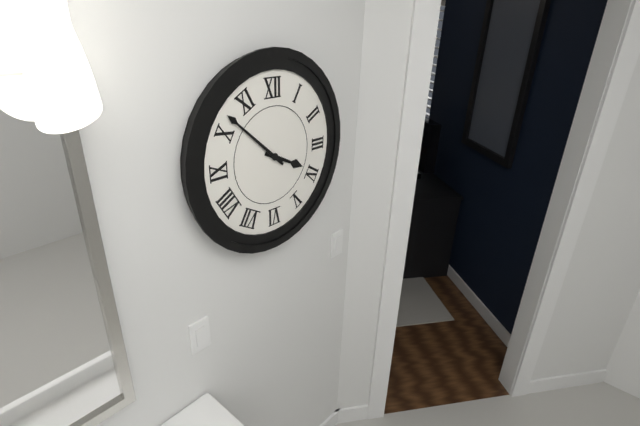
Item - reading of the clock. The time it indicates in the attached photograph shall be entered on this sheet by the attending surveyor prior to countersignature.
3:52
